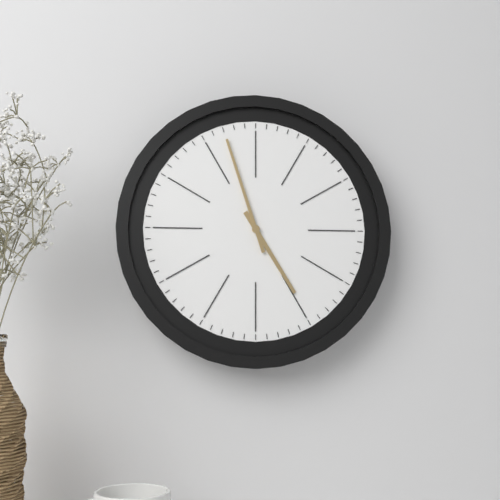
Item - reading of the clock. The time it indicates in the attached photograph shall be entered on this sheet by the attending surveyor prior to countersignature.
4:57
